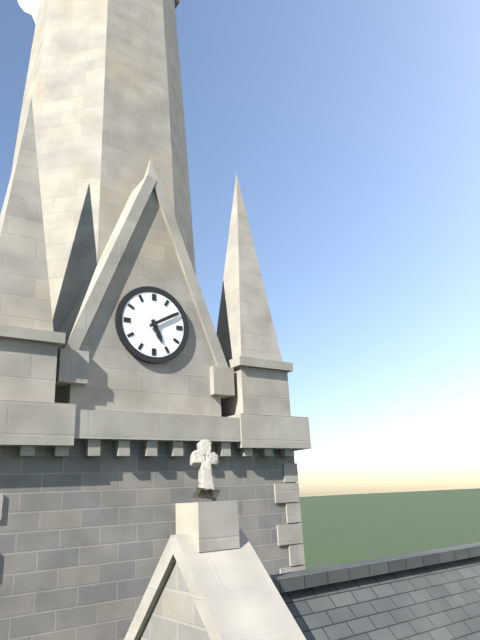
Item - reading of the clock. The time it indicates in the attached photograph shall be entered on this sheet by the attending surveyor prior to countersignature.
5:10
